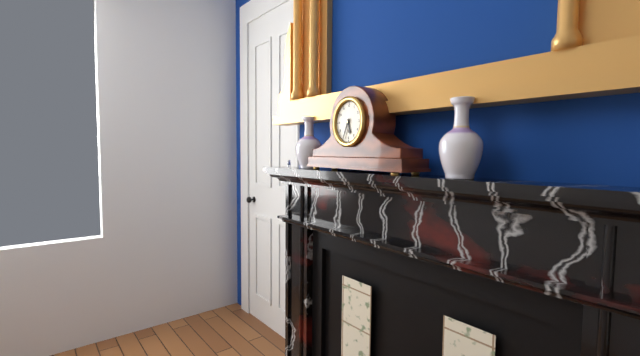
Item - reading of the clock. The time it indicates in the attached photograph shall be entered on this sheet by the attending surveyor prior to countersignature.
5:34
